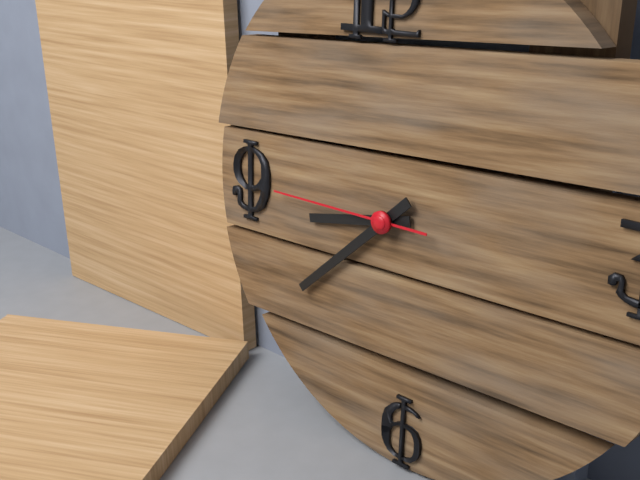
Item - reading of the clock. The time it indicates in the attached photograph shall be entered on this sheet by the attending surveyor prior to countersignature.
8:38:45
